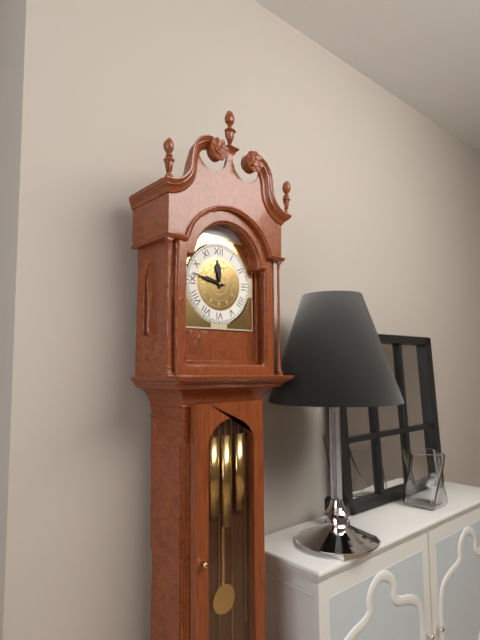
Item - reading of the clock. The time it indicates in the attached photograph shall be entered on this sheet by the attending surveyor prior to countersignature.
11:47
